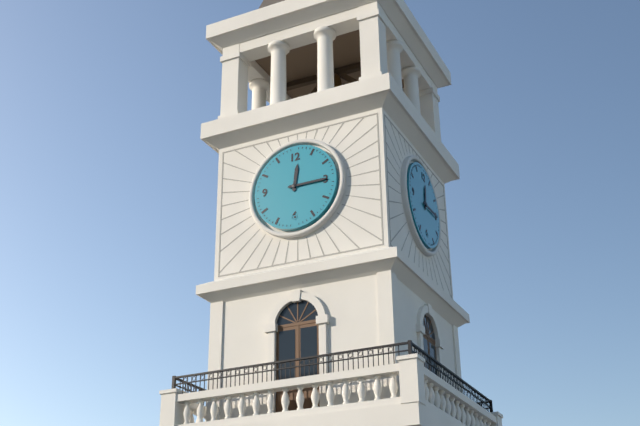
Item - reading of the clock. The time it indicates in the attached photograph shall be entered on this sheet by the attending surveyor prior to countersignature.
12:15
